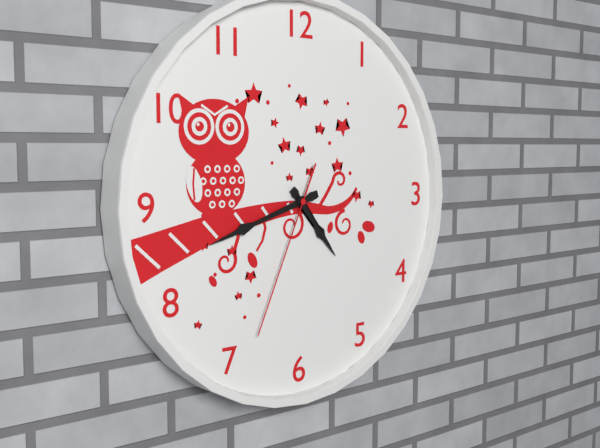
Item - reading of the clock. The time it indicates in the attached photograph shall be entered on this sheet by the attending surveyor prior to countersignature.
4:42:34
